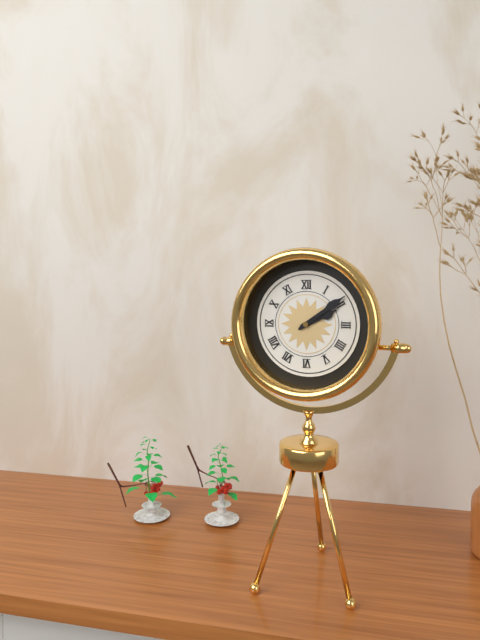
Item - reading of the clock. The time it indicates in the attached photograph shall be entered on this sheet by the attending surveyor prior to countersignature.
2:09
